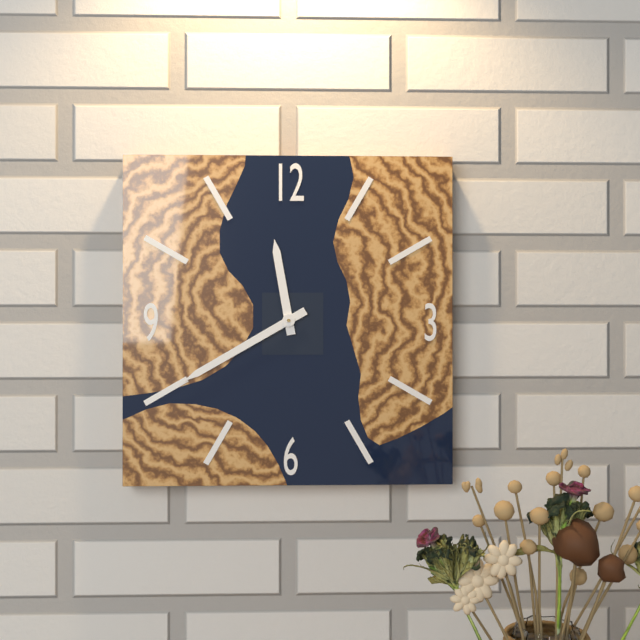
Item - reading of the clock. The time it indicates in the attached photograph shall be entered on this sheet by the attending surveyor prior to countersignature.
11:40
